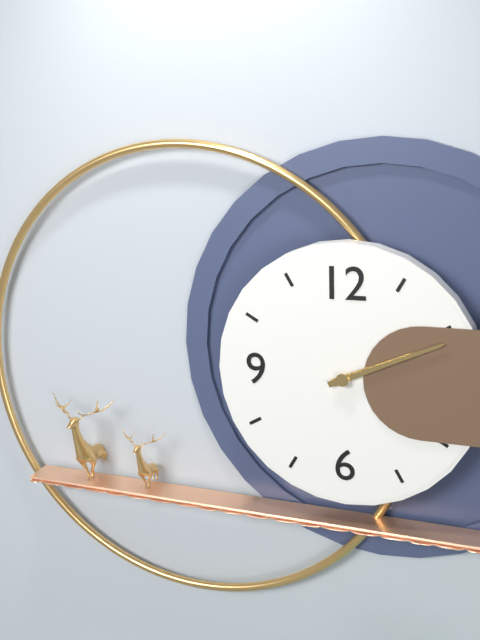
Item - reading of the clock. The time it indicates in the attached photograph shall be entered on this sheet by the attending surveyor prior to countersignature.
2:11
